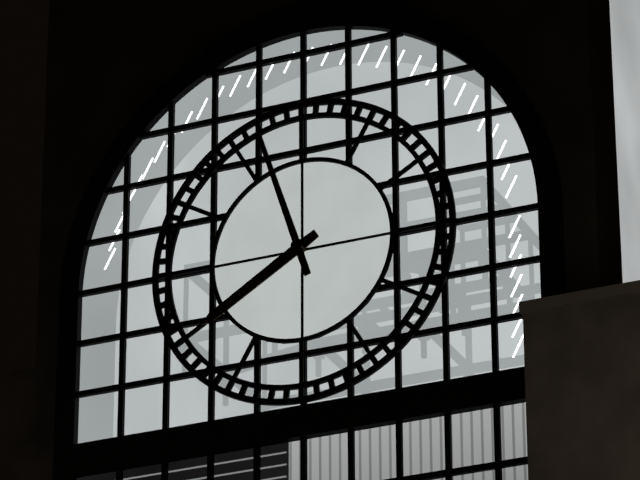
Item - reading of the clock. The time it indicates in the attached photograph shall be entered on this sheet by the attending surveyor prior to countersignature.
7:57
